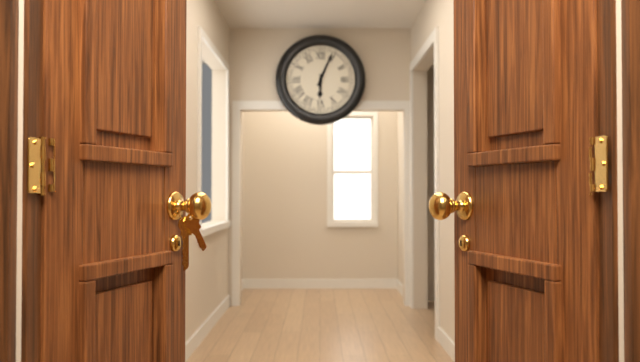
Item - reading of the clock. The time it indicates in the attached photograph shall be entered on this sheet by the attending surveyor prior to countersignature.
6:04
